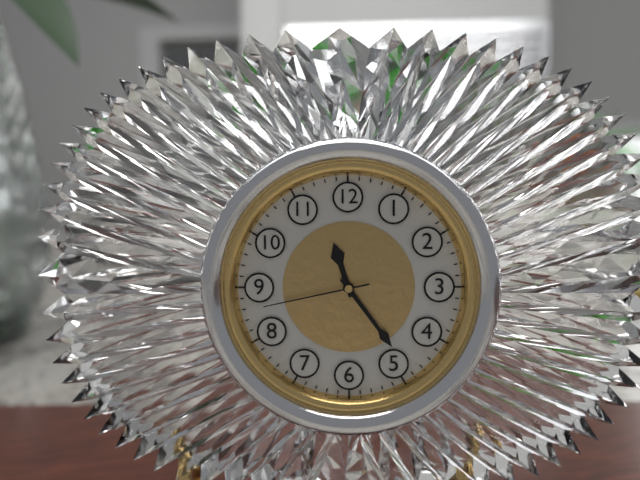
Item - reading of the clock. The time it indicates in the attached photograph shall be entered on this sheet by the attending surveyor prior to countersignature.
11:24:43
